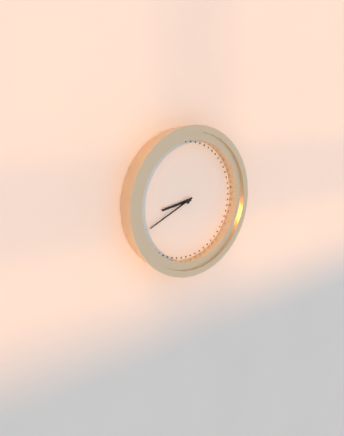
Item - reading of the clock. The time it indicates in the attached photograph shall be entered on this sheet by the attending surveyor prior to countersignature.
8:41
